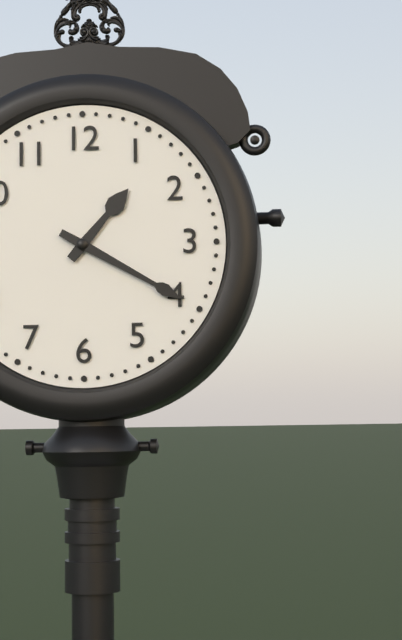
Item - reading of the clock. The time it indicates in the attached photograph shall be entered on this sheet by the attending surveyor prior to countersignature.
1:20
